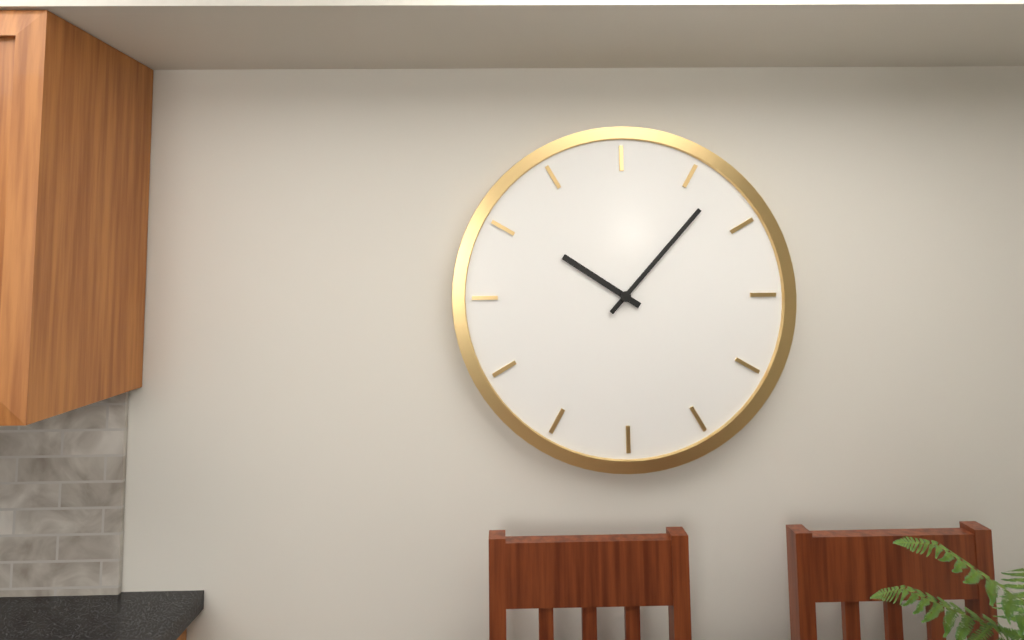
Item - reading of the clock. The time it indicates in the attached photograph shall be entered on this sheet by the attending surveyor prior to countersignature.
10:07
